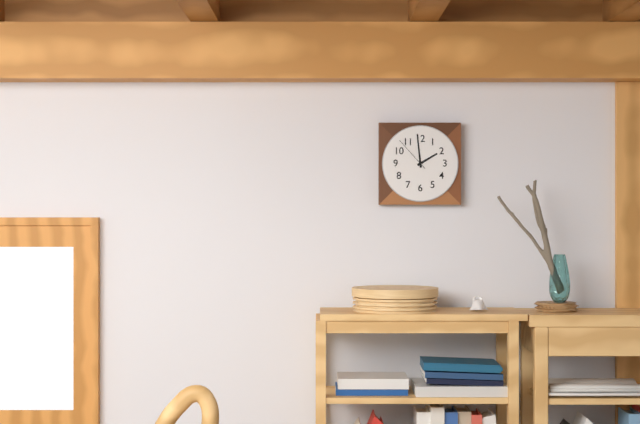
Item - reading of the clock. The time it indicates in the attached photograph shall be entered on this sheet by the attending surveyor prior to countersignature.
1:59
